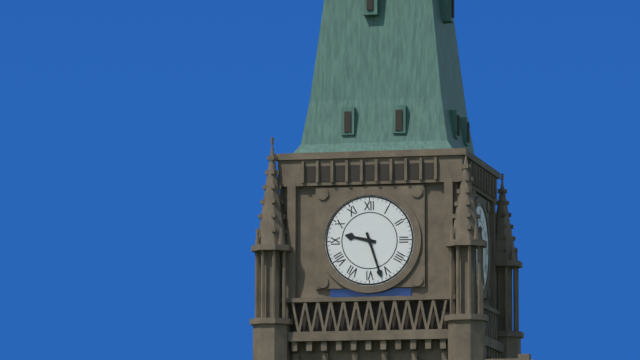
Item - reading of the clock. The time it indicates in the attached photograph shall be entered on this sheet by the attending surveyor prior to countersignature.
9:27
